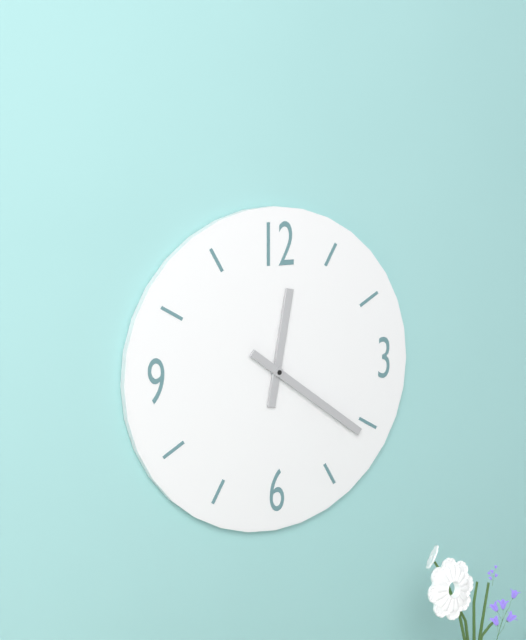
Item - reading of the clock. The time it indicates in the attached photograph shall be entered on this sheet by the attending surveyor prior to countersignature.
12:21
